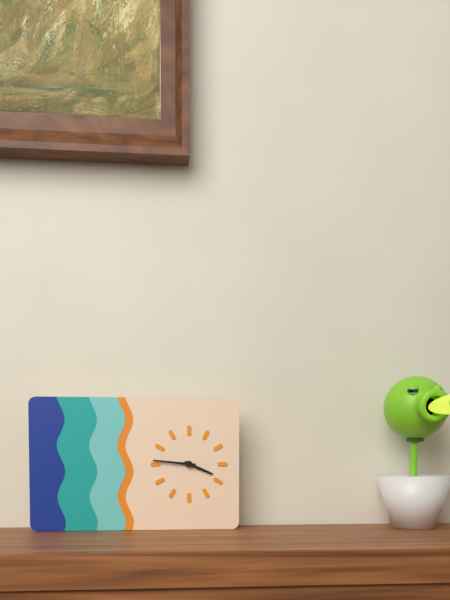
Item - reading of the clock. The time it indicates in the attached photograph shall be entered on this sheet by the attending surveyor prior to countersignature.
3:46
